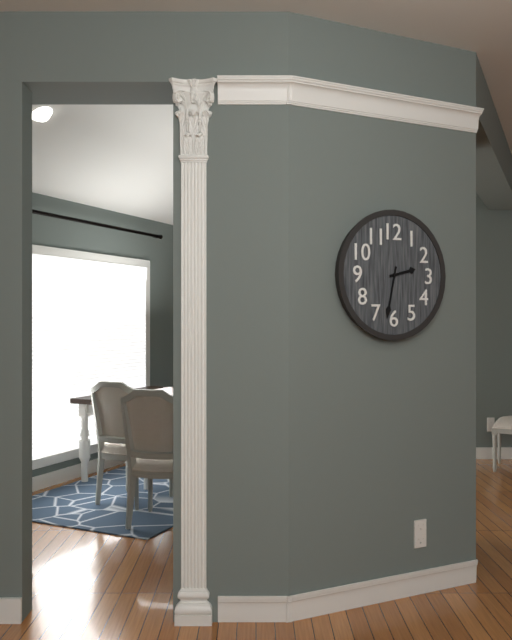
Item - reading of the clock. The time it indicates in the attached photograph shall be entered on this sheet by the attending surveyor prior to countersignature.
2:32
